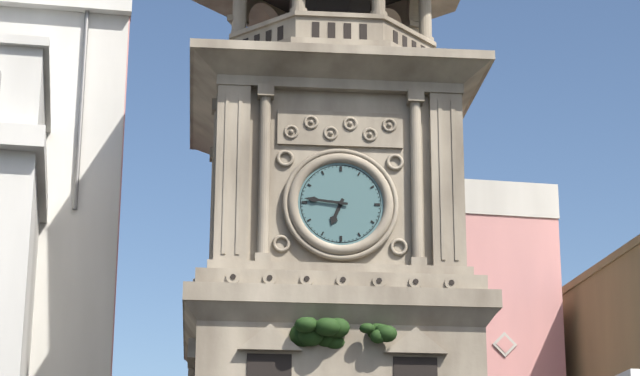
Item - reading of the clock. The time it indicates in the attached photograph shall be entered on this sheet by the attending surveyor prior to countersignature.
6:46
